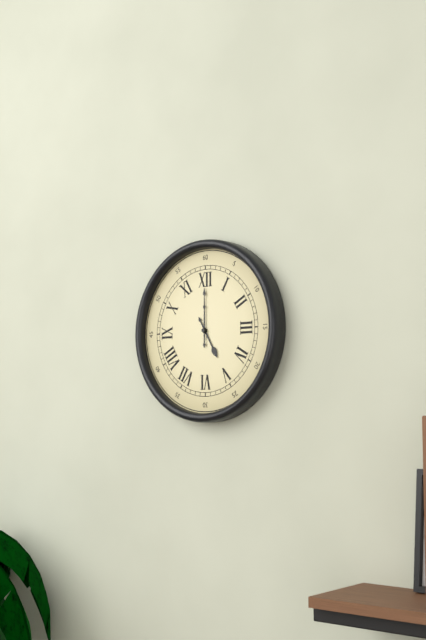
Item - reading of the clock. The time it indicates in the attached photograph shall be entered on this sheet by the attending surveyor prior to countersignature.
5:00
